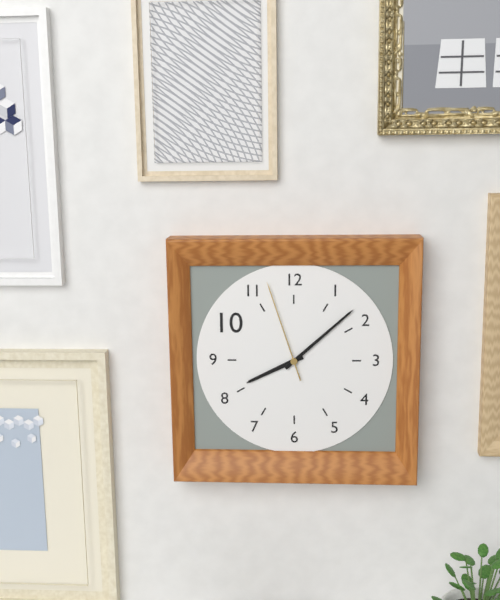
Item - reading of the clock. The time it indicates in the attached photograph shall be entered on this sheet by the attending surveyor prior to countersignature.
8:08:57
